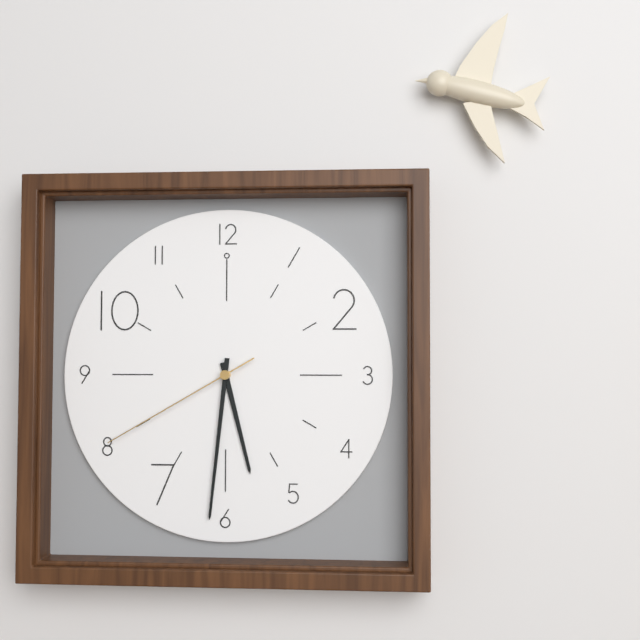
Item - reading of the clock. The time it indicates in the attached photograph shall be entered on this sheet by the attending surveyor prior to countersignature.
5:31:40
